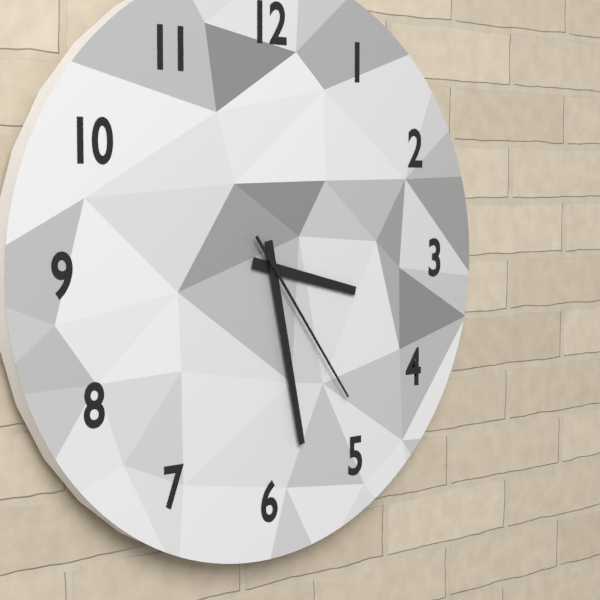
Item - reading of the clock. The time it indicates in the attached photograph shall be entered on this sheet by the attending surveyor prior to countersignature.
3:28:24
